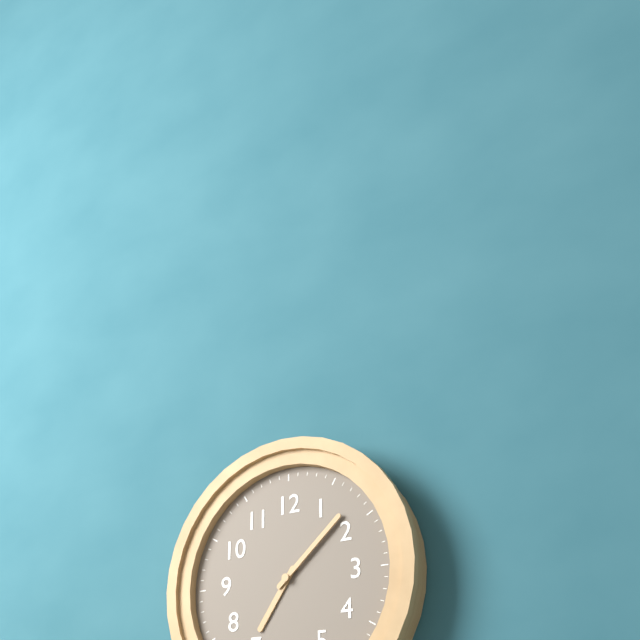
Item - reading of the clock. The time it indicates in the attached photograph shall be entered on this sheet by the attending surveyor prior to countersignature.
7:08
